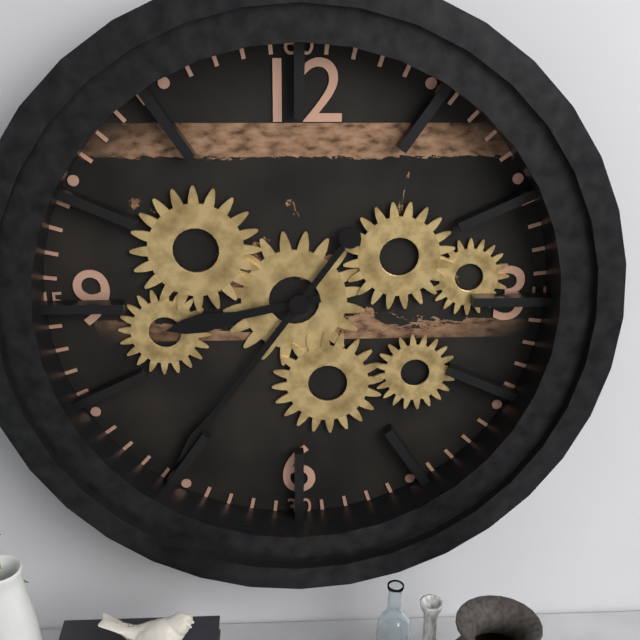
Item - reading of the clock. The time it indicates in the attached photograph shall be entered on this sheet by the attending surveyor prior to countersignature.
8:36
